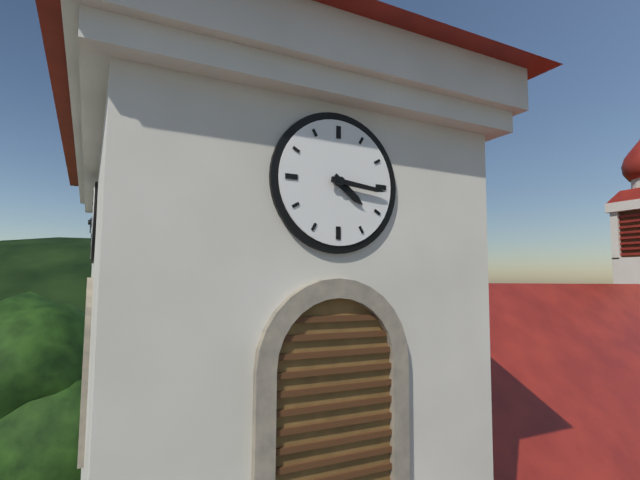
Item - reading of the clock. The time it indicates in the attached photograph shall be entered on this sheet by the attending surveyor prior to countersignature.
4:16
